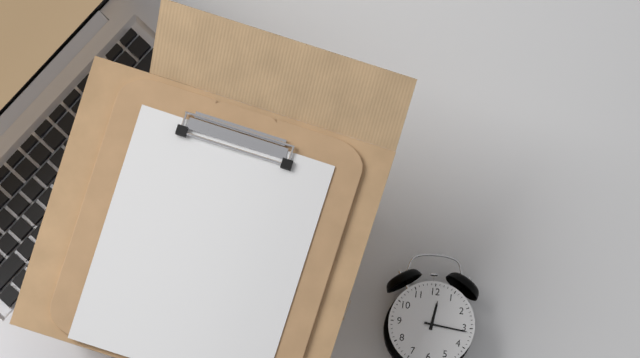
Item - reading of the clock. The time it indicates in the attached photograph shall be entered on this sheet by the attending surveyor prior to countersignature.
12:16
